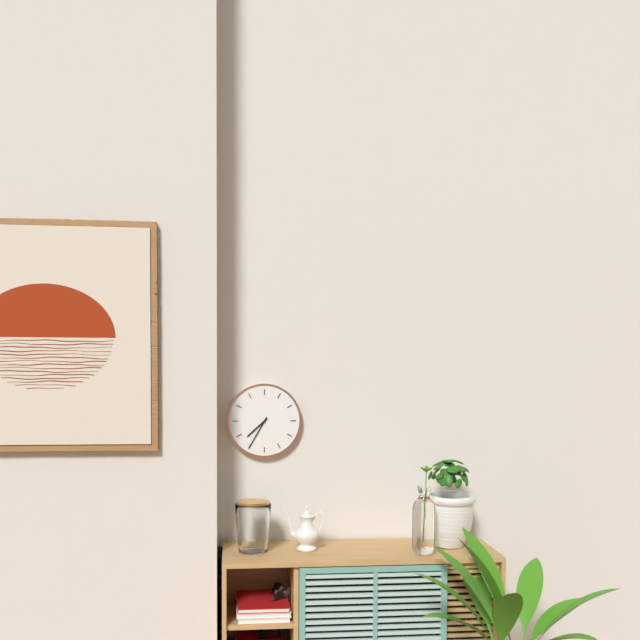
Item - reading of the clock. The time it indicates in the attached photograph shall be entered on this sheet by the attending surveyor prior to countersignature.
7:35
